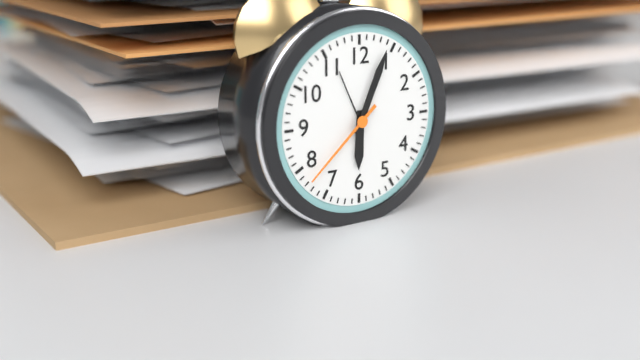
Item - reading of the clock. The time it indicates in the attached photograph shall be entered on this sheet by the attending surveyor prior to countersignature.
6:04:38
